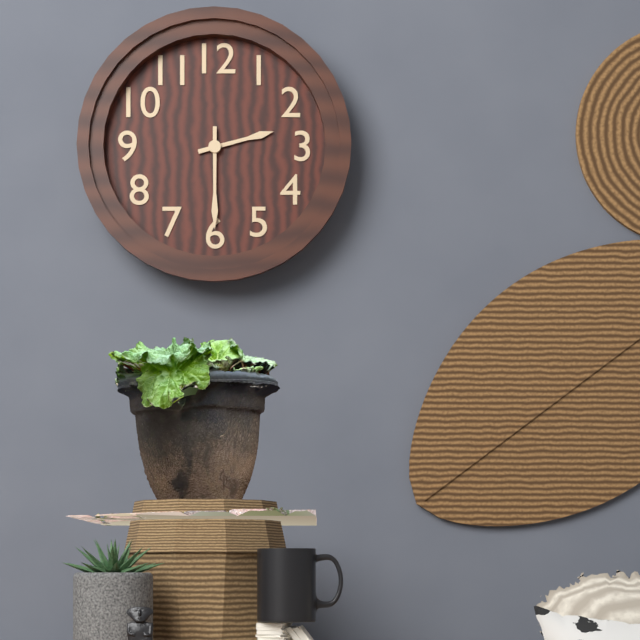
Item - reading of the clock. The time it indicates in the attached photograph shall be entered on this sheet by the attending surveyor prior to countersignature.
2:30
